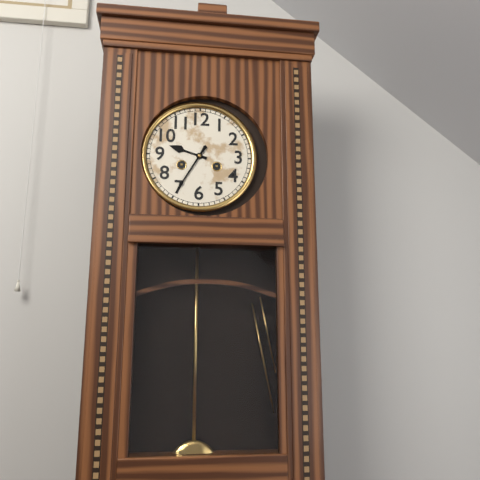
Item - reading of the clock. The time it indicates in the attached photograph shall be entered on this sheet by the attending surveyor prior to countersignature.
9:35
